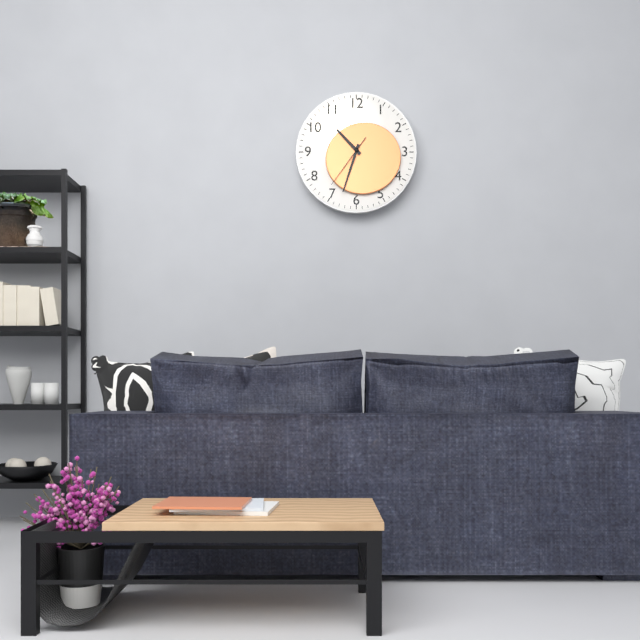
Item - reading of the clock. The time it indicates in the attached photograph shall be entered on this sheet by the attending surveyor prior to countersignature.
10:33:36
